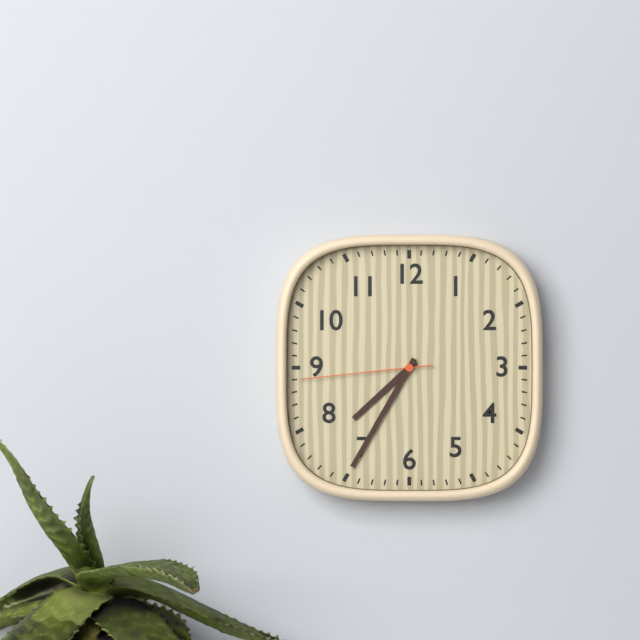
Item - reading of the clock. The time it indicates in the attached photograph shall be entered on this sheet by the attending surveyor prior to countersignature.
7:35:44
